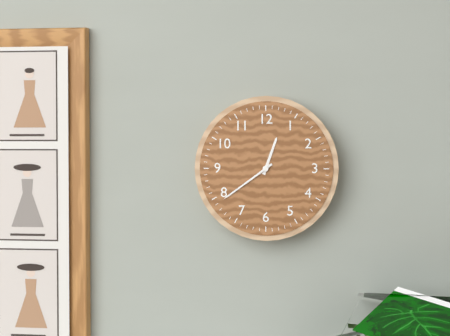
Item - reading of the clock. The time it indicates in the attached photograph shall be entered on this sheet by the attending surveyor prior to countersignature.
12:39
